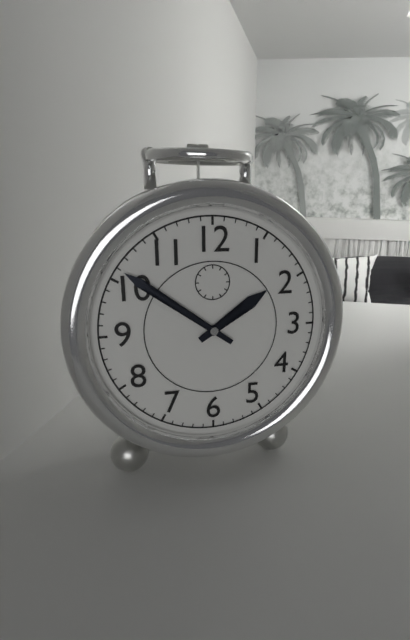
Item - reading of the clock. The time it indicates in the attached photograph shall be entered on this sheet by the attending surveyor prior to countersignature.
1:51
